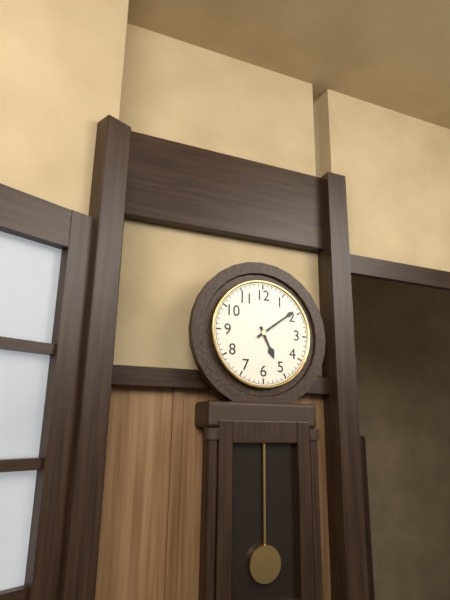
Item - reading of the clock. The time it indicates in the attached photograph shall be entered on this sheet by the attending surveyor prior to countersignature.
5:09
